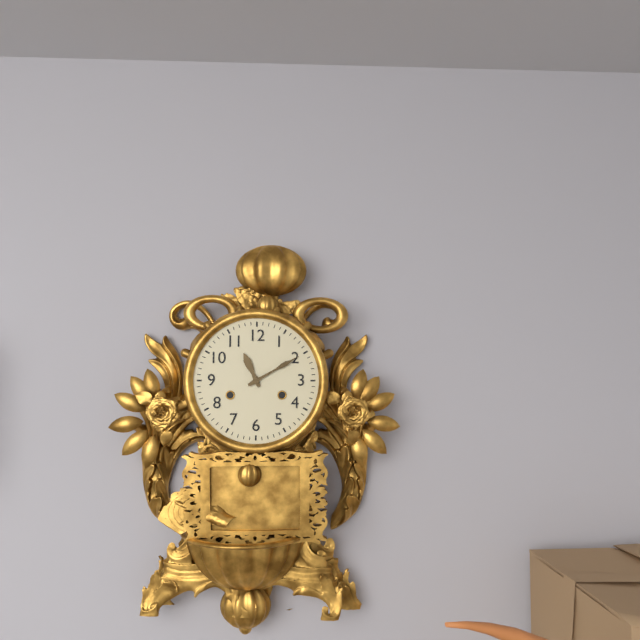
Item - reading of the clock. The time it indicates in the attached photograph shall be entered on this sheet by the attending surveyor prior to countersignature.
11:10
